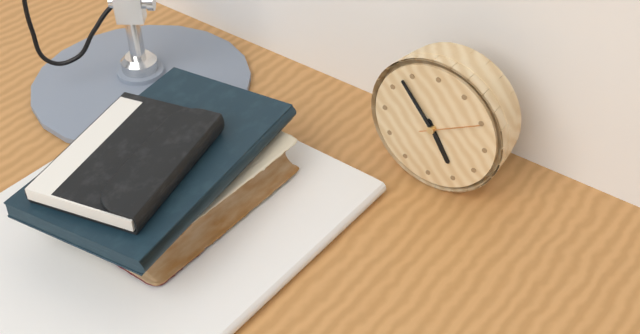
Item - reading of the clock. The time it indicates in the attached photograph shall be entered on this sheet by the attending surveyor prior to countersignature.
4:53:10
